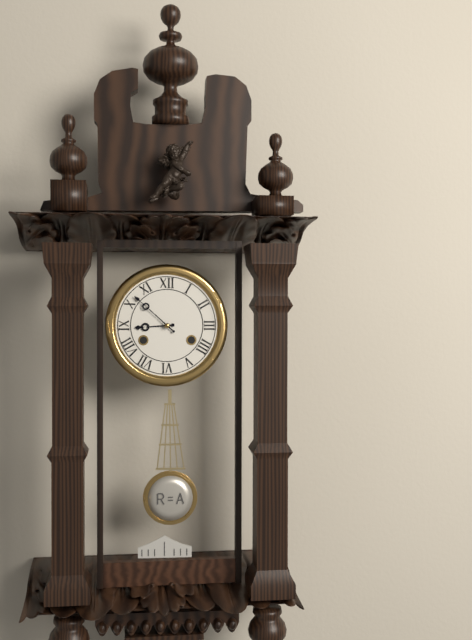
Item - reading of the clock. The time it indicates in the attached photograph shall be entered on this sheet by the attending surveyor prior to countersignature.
8:52
